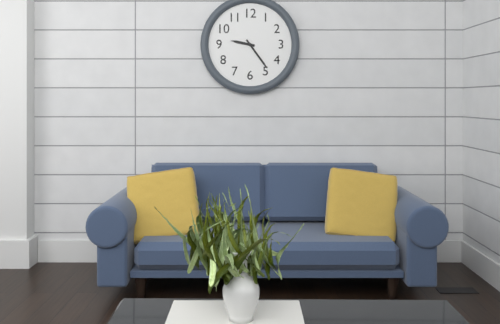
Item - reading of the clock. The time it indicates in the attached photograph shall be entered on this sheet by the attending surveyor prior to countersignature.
9:24
